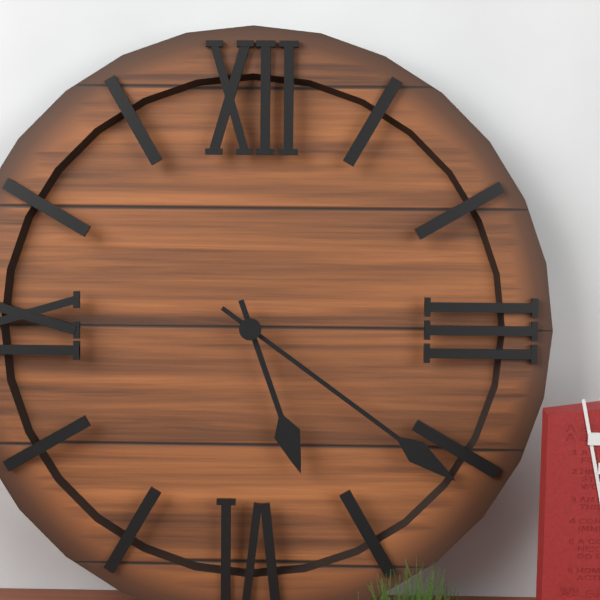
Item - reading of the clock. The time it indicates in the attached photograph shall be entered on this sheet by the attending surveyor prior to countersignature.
5:21
